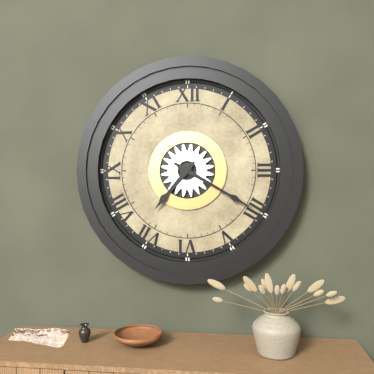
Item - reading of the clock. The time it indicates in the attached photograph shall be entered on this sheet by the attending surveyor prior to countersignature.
7:20
